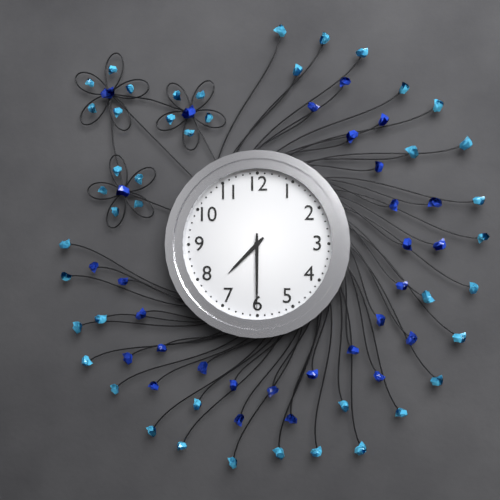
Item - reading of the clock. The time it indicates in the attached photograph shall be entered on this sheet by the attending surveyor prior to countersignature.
7:30
